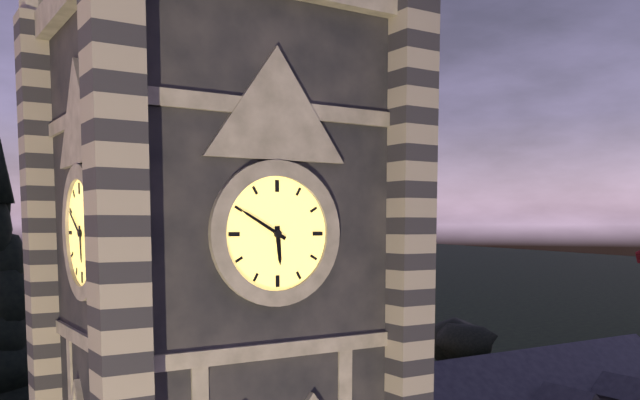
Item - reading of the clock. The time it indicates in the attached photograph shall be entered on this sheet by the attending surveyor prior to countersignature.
5:50
